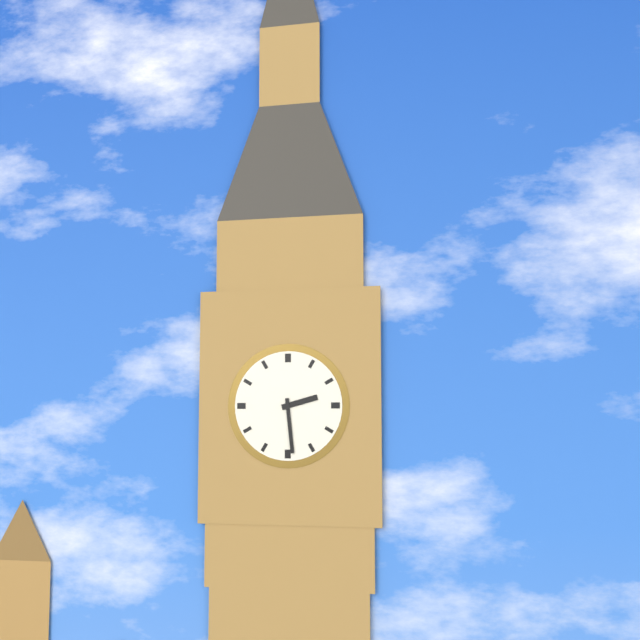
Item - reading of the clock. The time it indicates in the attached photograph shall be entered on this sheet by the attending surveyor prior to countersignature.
2:29
